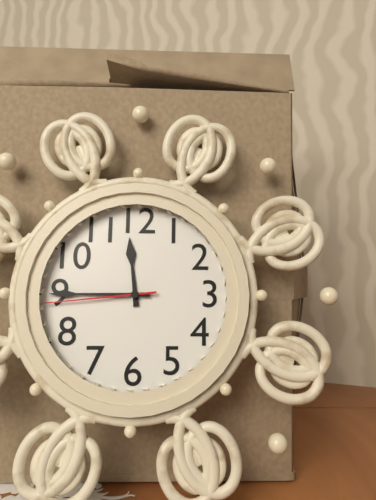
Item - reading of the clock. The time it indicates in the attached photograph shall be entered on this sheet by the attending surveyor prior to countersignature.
11:45:44
